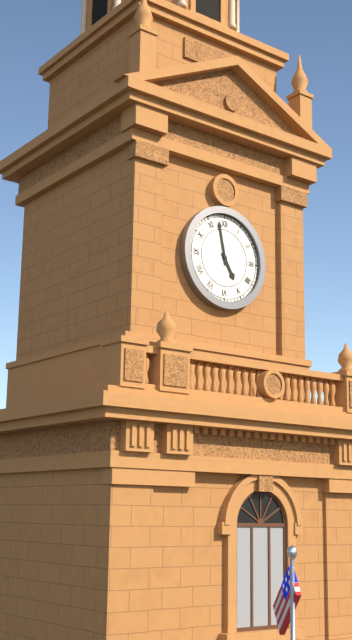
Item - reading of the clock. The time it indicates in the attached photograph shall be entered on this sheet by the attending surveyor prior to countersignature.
4:58
